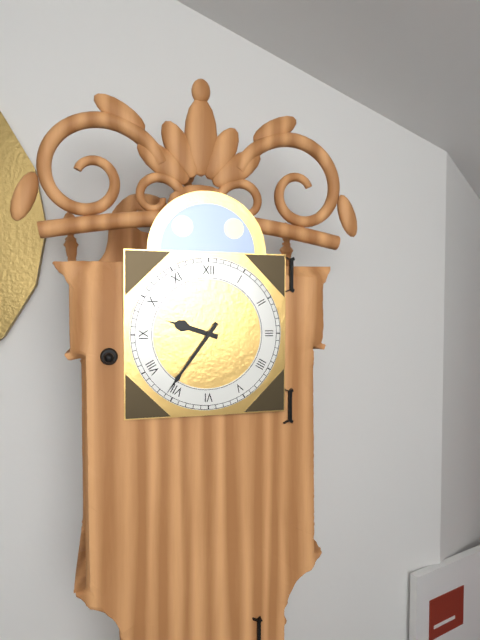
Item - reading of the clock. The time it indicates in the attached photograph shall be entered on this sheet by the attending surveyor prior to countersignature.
9:36
